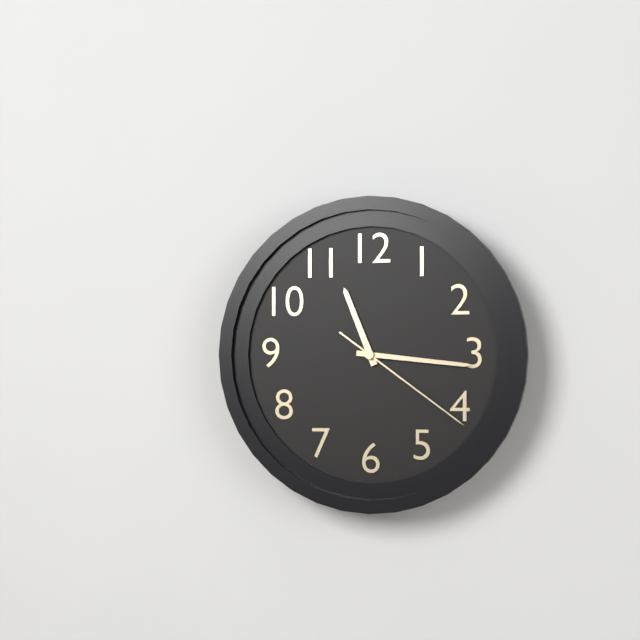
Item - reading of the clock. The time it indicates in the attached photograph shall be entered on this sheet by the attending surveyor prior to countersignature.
11:16:21
